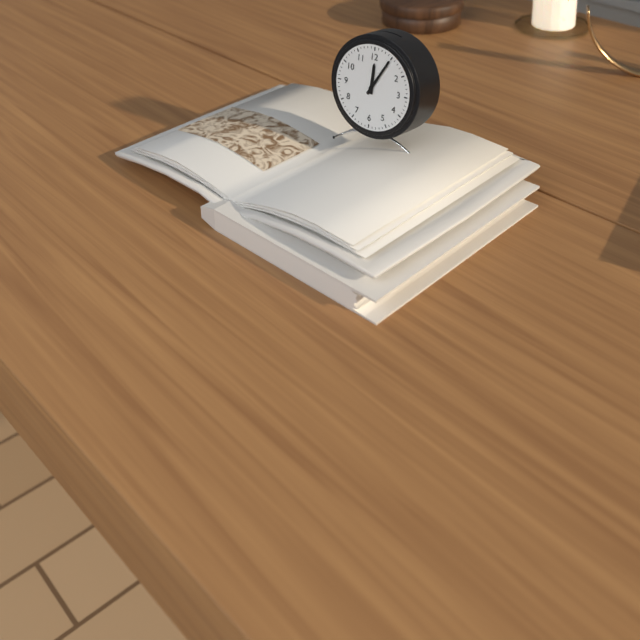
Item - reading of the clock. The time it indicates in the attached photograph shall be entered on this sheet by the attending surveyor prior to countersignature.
12:05
